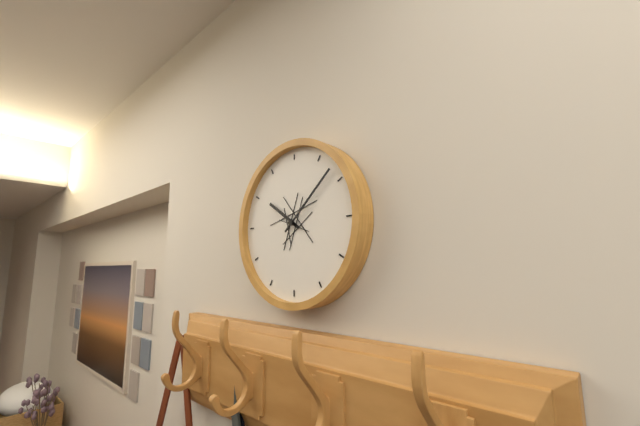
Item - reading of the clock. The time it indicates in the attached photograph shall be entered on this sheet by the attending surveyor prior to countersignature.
10:08
